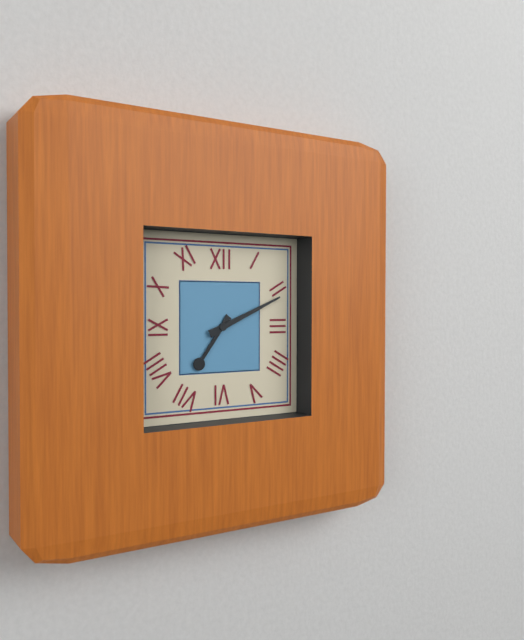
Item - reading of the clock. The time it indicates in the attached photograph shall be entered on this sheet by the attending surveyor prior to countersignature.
7:11
